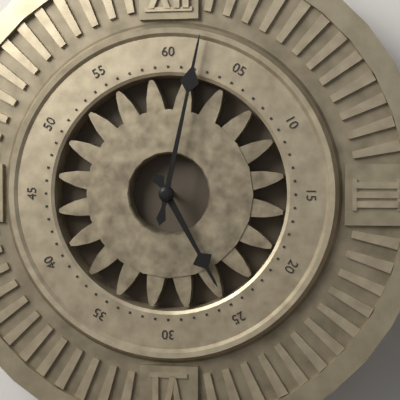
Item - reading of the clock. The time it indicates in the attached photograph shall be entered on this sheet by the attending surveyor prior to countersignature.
5:02
